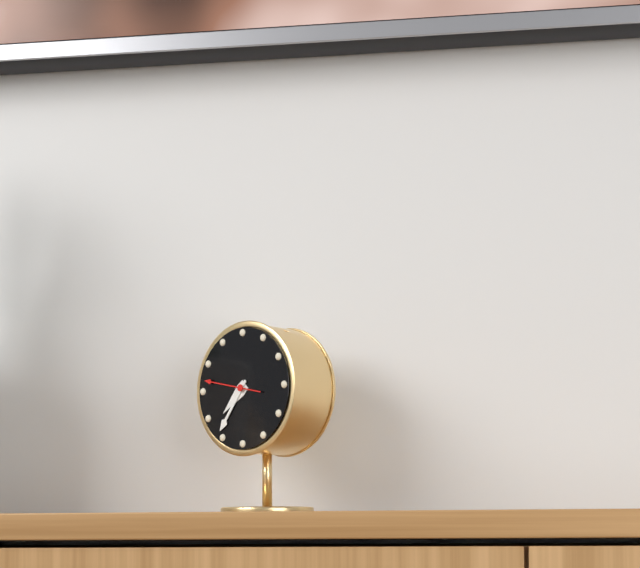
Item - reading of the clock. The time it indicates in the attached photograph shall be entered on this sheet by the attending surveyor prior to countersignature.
7:36
